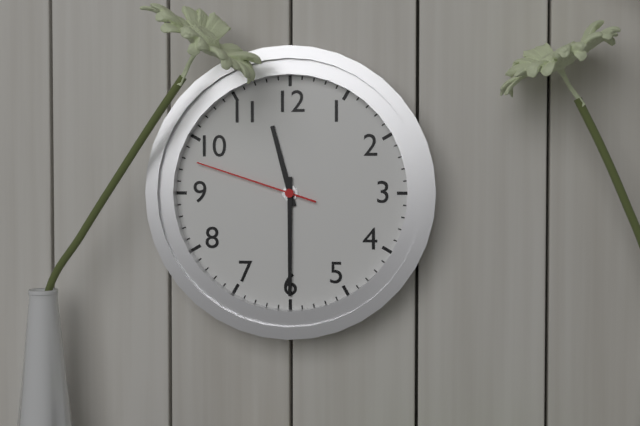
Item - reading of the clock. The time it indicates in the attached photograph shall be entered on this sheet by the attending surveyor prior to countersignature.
11:30:48
